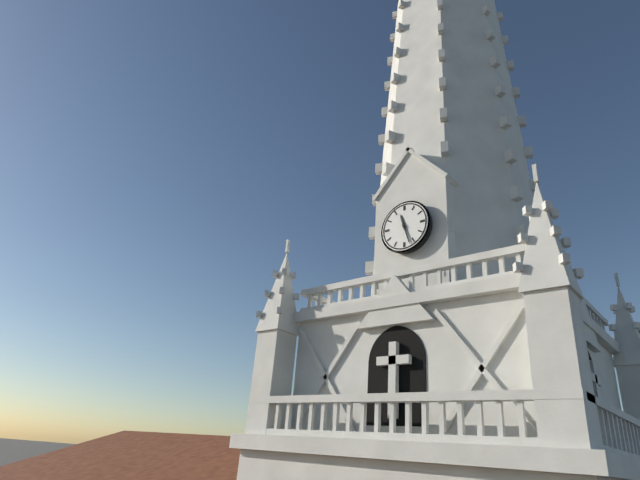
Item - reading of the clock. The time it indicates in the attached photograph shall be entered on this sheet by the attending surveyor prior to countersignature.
11:27
